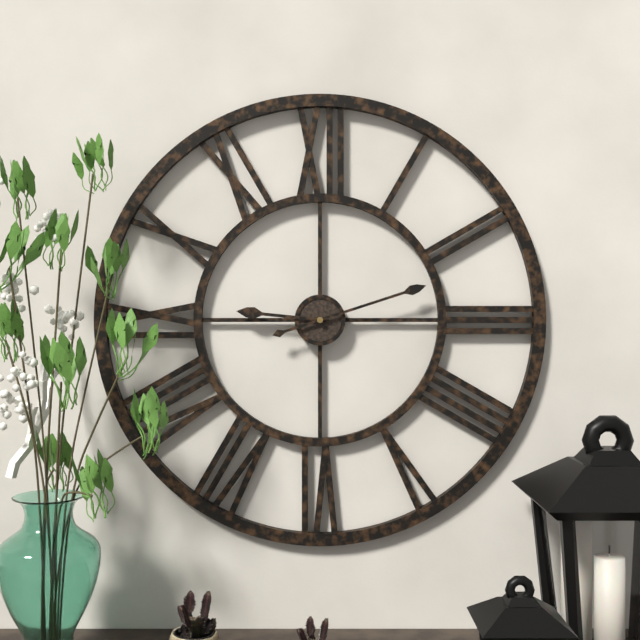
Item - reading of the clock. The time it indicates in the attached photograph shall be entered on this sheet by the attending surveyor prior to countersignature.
9:12
